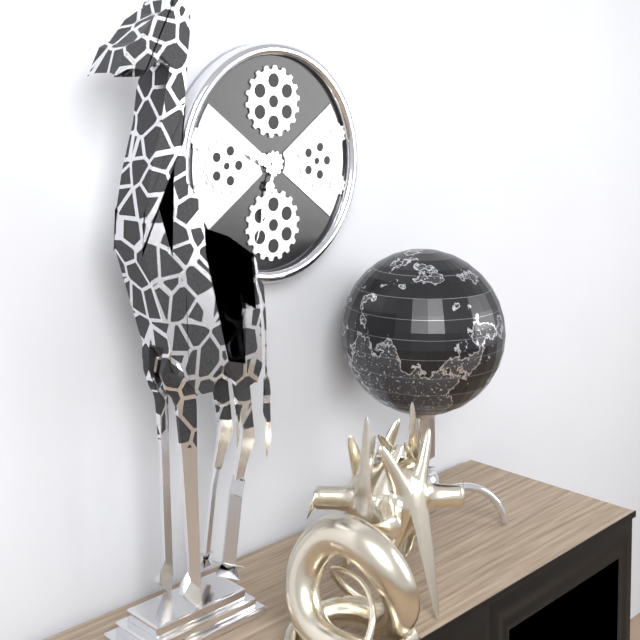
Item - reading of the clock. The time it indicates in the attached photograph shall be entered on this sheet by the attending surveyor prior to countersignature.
9:33
